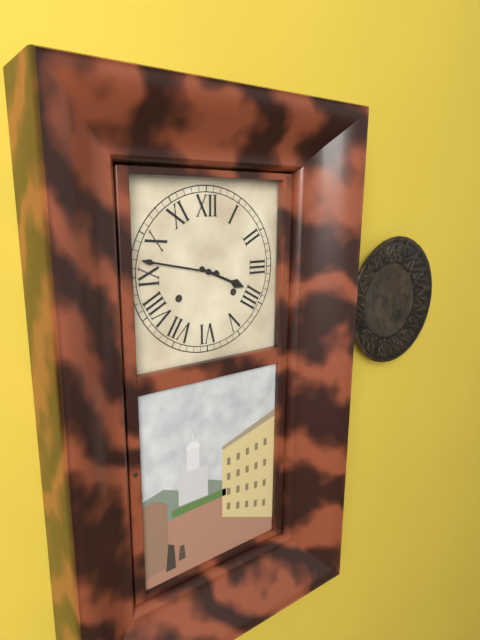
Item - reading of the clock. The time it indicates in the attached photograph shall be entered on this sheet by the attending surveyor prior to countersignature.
3:47
